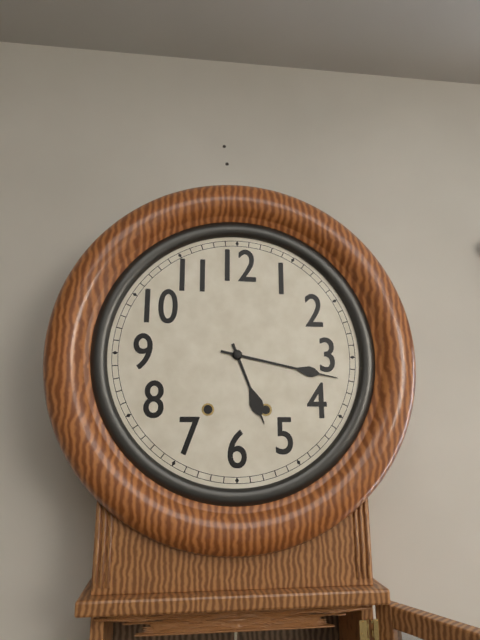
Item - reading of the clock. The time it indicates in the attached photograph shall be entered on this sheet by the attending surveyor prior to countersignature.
5:17
